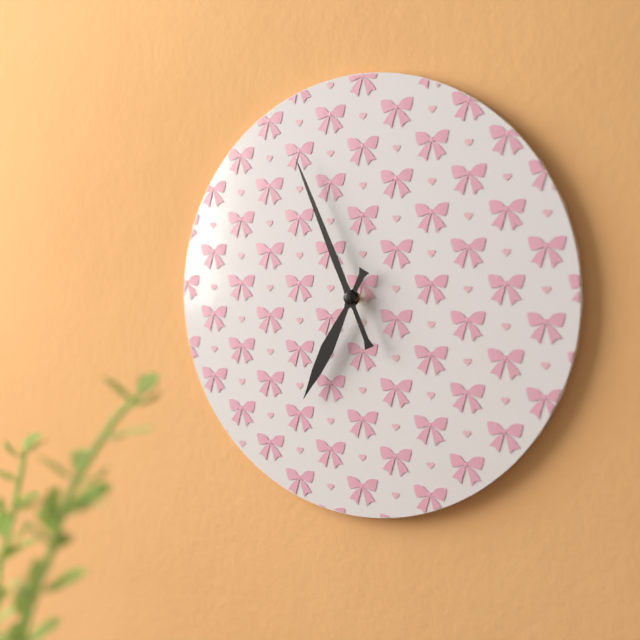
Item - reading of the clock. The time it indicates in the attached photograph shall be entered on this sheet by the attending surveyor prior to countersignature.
6:56
